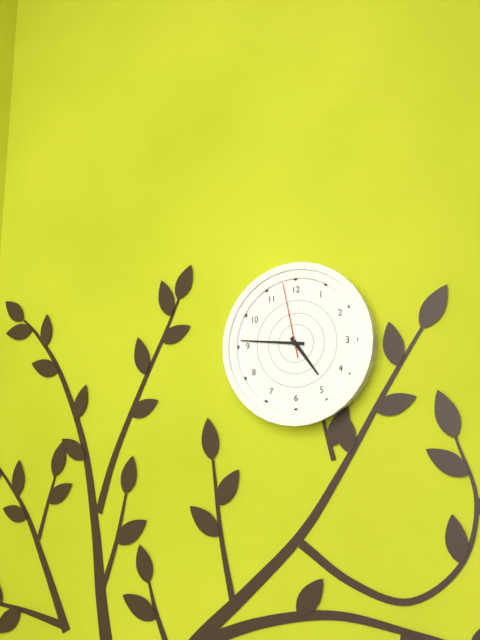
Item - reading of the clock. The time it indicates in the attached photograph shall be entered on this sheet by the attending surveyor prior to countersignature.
4:46:58
